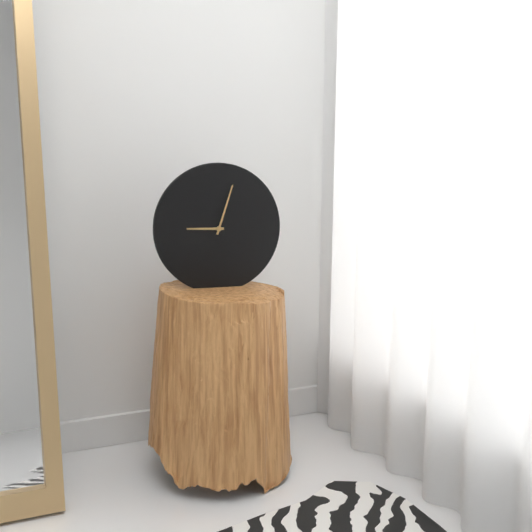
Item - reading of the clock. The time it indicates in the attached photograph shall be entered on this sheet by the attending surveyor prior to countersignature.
9:03
